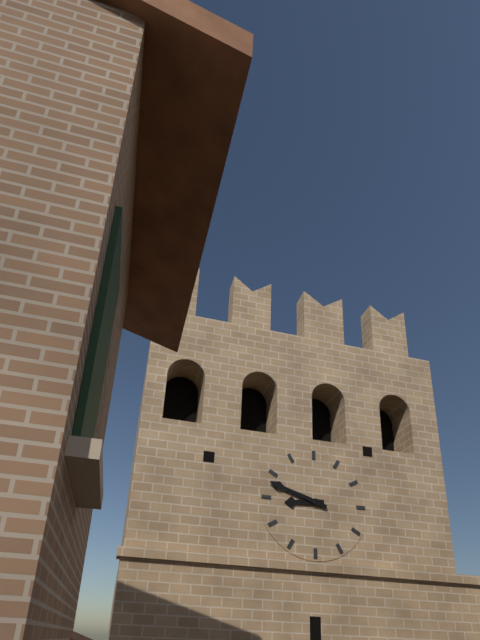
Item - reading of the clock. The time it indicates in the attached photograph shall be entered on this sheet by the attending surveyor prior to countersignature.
8:48
